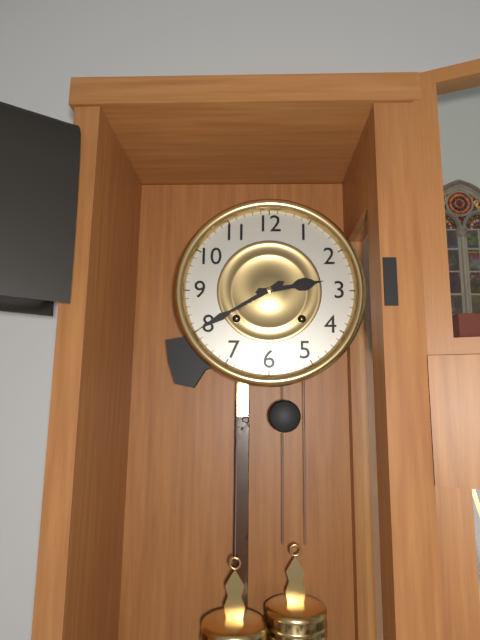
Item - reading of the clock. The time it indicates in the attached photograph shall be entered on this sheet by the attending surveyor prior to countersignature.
2:40
